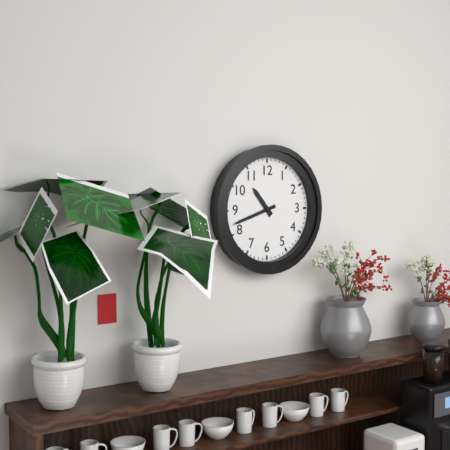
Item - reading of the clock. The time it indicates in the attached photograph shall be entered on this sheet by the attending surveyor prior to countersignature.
10:42
